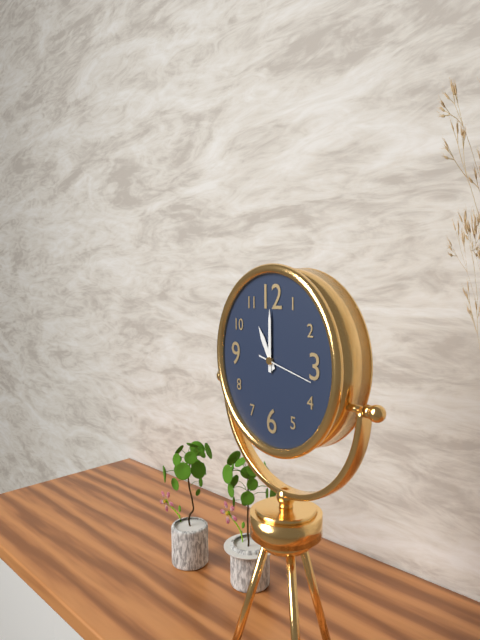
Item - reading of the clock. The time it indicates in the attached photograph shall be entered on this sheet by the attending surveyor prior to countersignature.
11:00:17
